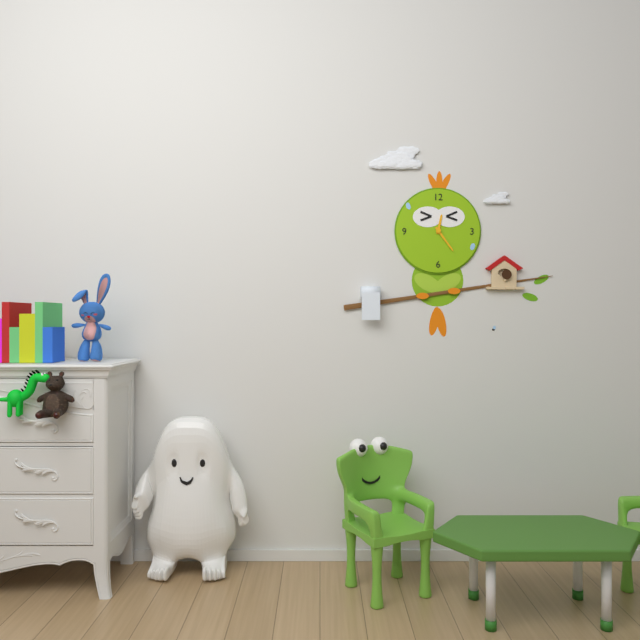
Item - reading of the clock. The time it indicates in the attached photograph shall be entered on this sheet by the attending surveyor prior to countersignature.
12:24
